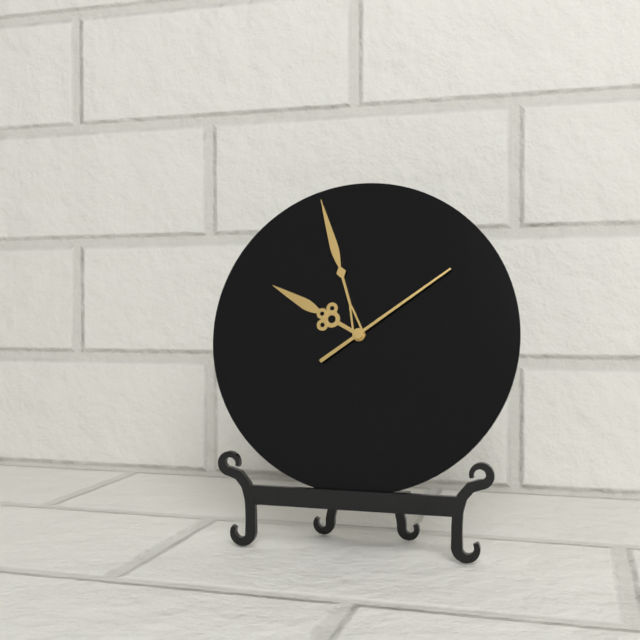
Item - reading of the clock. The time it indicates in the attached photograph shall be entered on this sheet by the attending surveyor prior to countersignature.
9:57:09
